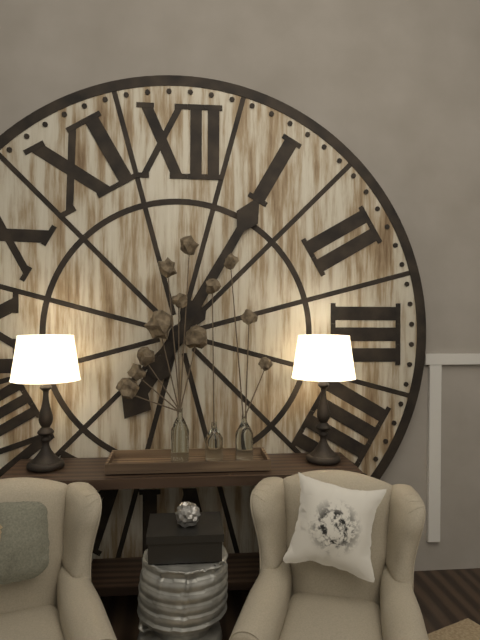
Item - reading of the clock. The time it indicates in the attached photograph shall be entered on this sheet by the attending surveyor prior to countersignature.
7:05
